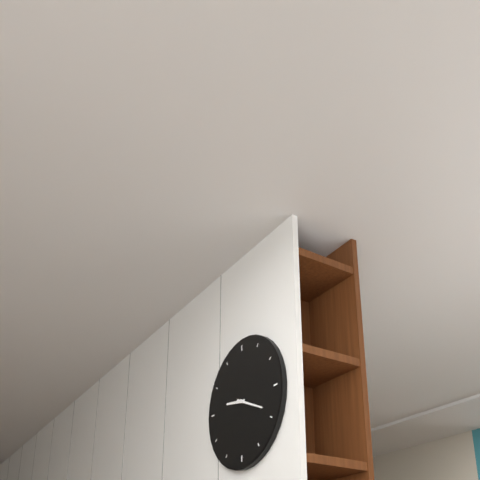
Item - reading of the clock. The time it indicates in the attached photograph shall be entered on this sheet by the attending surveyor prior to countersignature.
9:19
